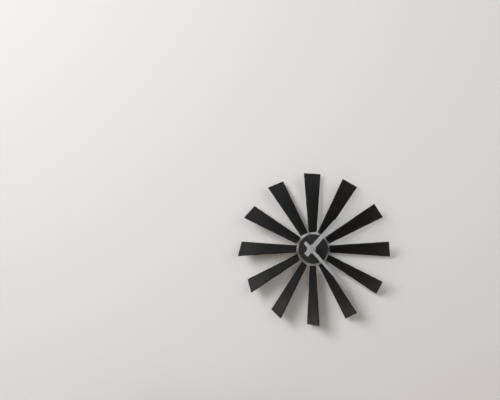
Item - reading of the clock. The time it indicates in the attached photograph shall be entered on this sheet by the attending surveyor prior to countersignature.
1:23
